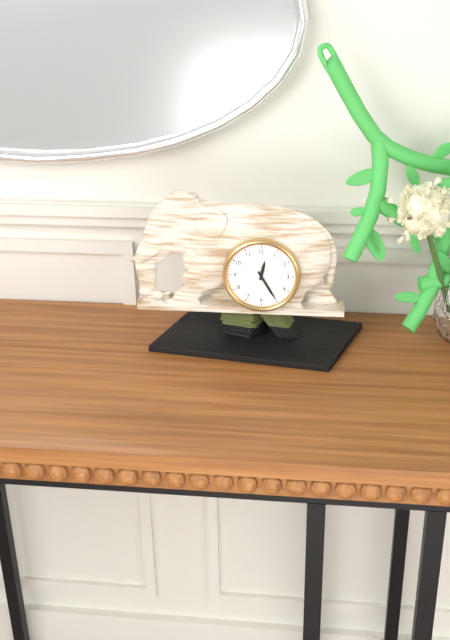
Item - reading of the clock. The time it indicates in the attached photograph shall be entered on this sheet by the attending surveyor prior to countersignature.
12:25
